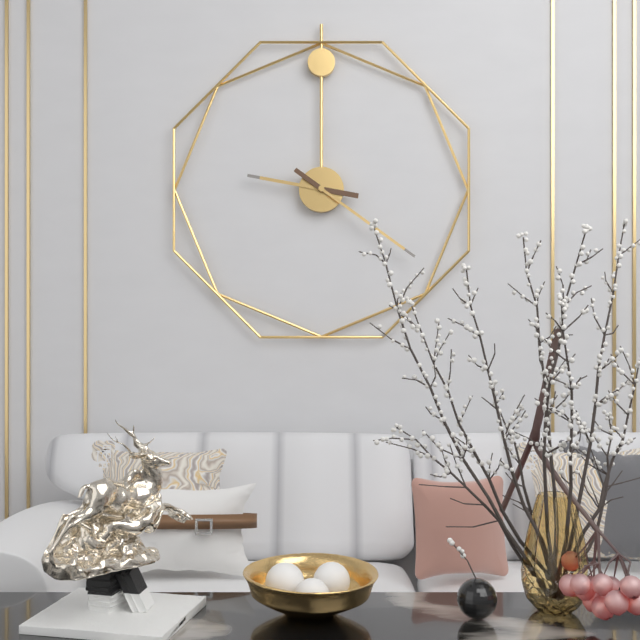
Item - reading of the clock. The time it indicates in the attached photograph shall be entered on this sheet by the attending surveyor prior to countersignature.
9:21
